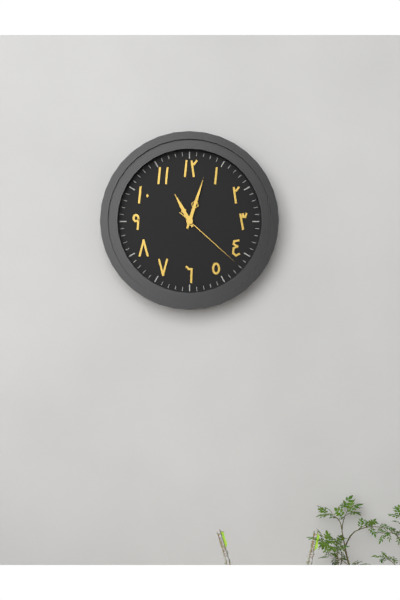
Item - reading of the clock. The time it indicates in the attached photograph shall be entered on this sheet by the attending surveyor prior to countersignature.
11:03:22
